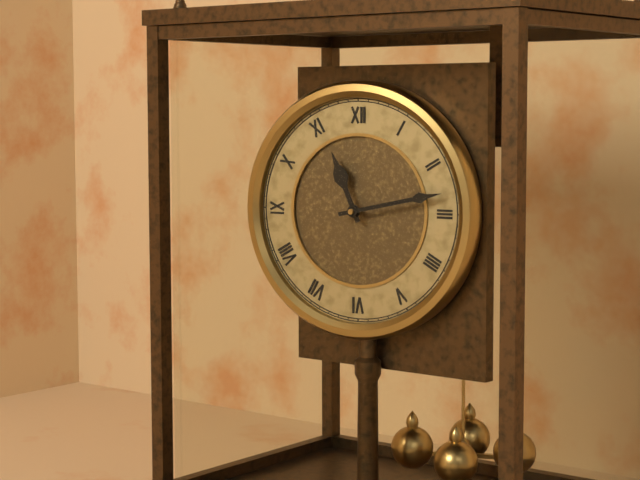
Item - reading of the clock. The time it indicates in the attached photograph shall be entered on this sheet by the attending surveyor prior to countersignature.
11:13
